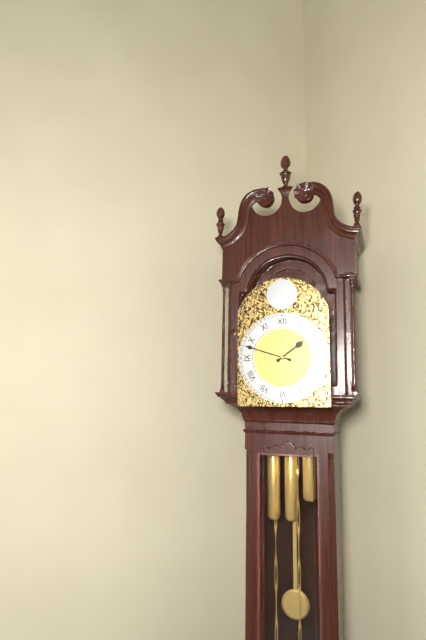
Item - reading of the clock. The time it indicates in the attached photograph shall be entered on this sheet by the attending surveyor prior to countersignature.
1:48
